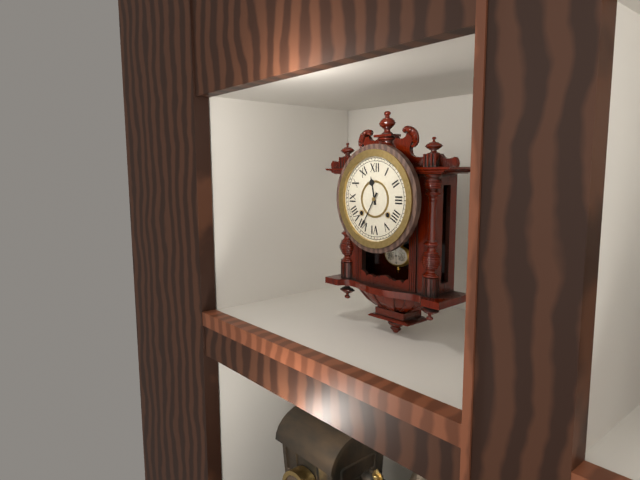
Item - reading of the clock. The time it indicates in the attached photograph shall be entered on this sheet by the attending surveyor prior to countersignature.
11:35
